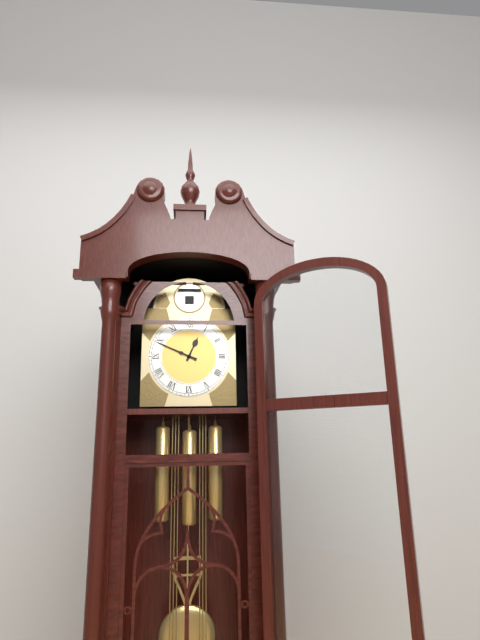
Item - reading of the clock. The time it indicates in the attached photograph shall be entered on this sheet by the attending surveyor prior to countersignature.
12:49
